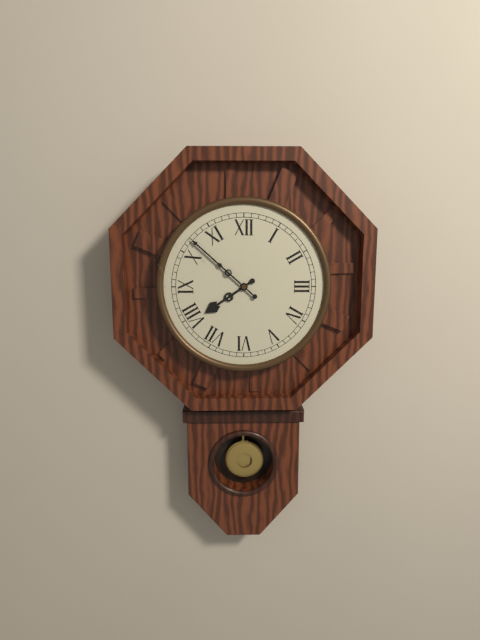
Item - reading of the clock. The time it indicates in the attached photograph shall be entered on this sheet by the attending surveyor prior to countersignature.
7:52
